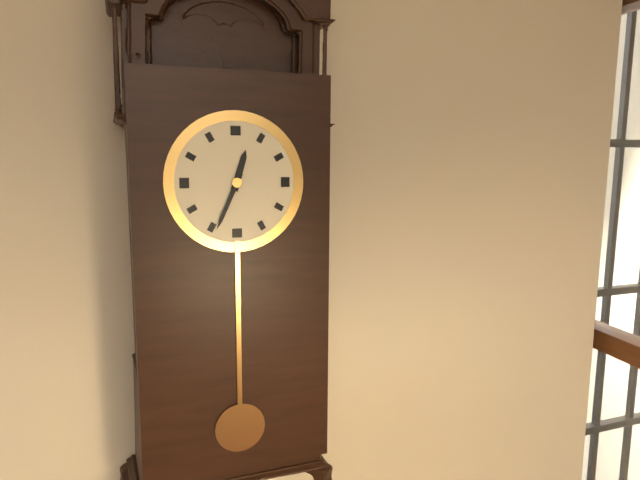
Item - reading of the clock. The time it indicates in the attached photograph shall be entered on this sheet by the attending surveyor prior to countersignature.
12:34
